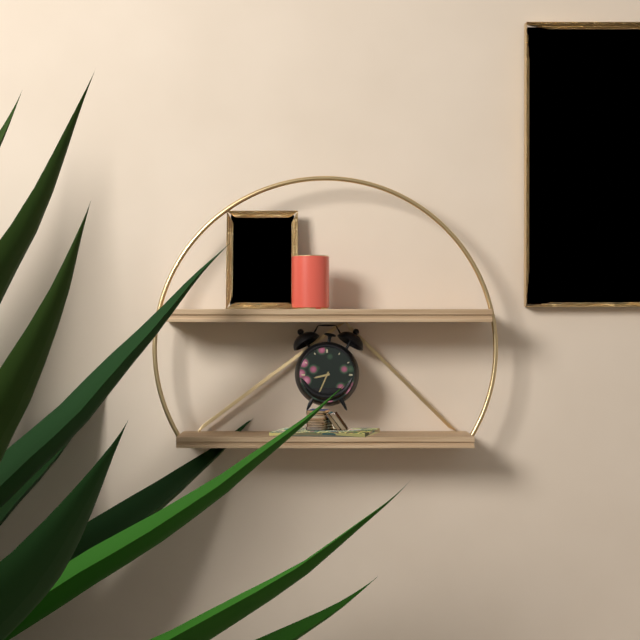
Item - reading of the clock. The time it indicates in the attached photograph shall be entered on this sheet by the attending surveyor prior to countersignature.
8:34
